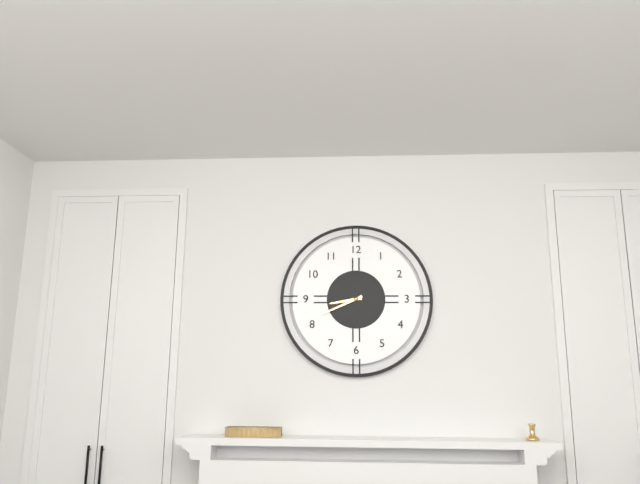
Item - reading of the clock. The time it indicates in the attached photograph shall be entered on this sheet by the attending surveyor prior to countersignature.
8:41
